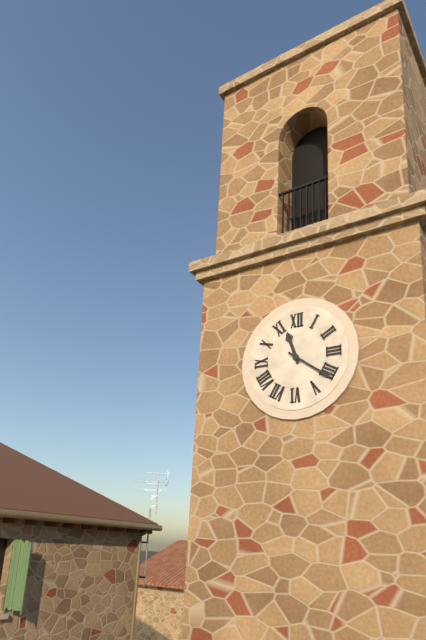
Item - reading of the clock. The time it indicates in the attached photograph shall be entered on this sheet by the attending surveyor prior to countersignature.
11:21
